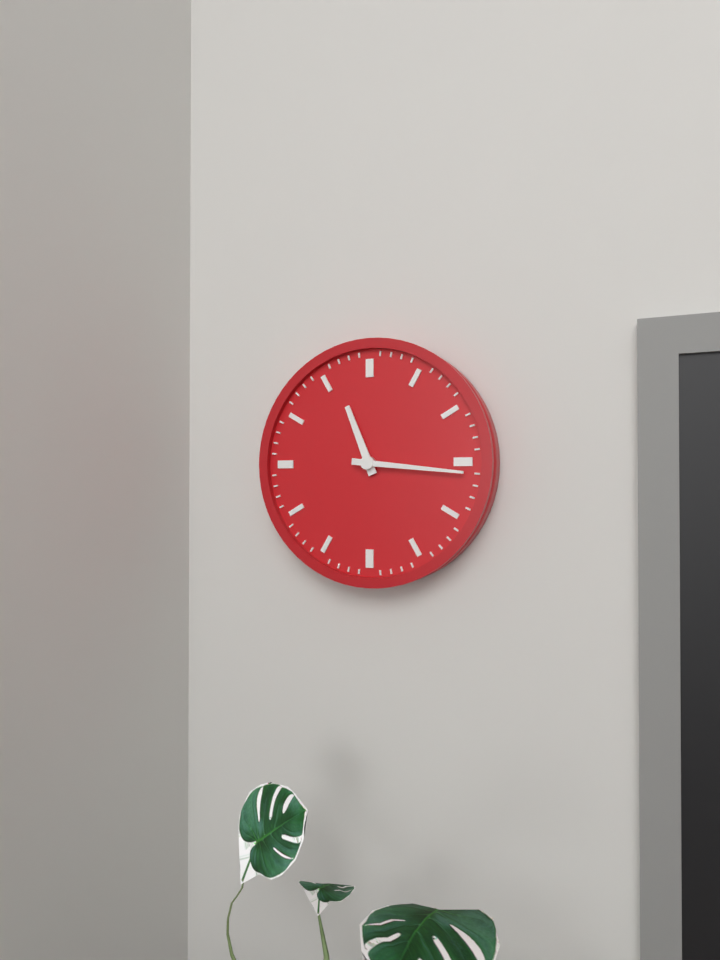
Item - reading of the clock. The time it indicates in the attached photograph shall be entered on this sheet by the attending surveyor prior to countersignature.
11:16
